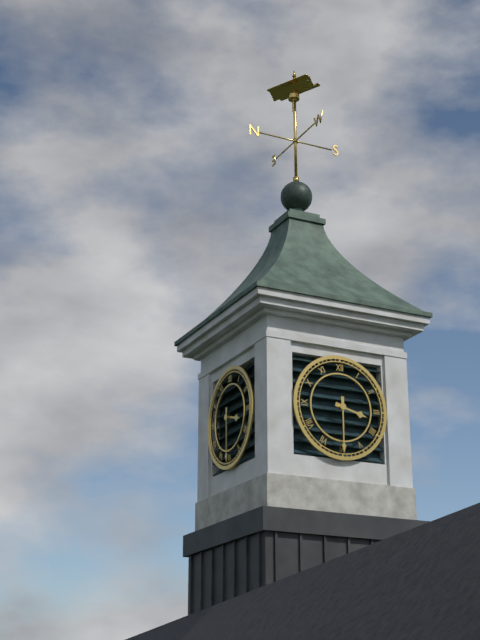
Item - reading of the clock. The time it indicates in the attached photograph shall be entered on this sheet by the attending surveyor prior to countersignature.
3:30
